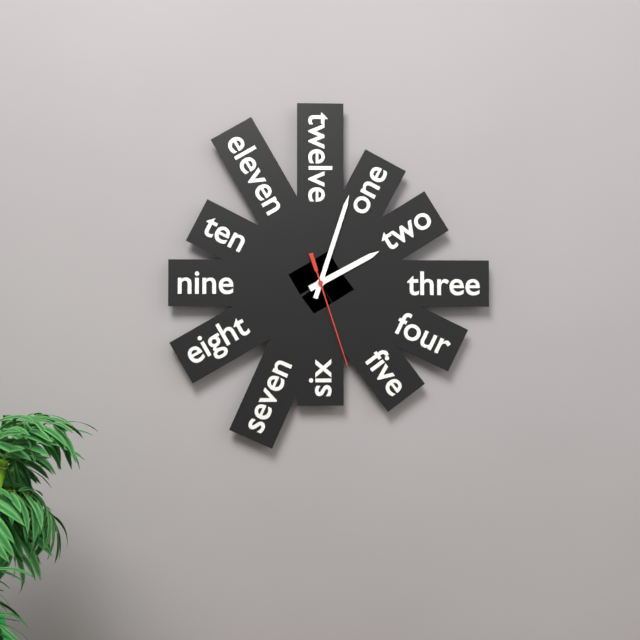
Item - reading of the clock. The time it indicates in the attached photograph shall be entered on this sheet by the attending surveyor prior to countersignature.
2:03:27
